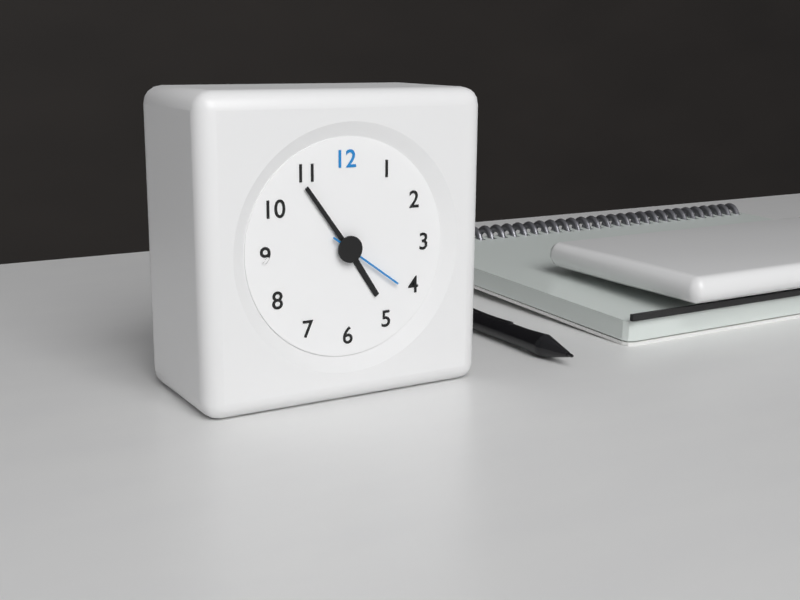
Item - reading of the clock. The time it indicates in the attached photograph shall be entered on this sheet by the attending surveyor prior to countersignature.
4:54:21
